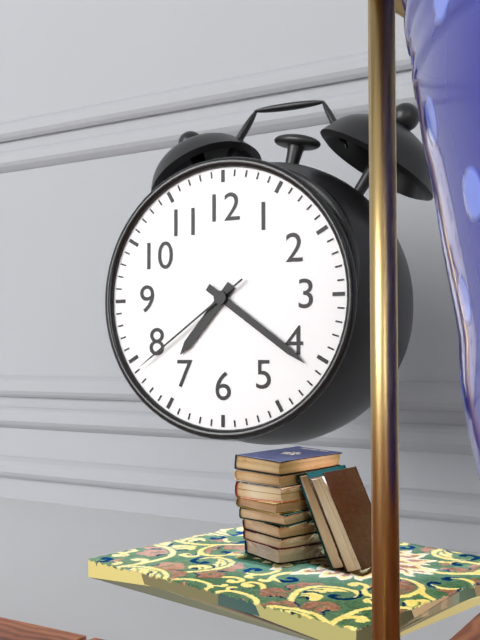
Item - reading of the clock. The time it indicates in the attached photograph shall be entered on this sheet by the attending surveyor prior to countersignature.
7:21:39
